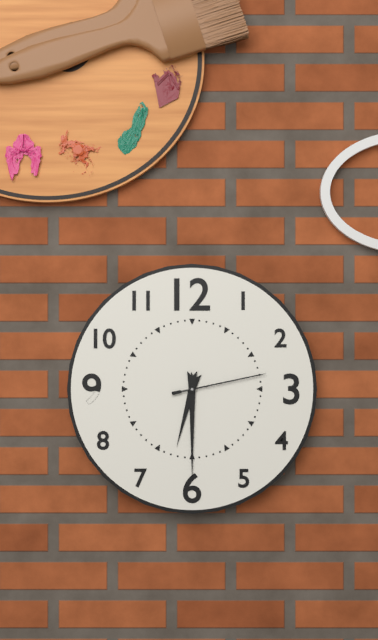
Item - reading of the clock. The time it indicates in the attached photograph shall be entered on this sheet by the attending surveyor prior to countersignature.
6:30:13
